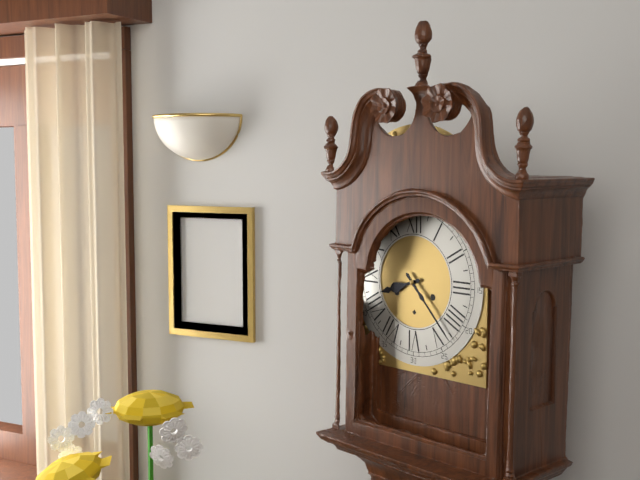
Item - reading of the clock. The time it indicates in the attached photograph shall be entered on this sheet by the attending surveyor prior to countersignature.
8:23
